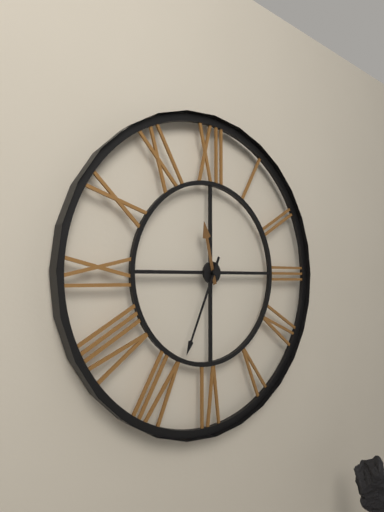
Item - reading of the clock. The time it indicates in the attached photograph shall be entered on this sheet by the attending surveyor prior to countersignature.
11:34
